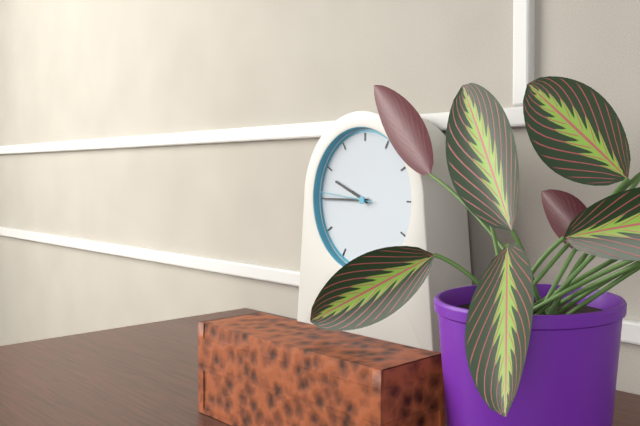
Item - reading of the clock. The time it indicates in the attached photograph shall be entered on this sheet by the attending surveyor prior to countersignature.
9:45:46
